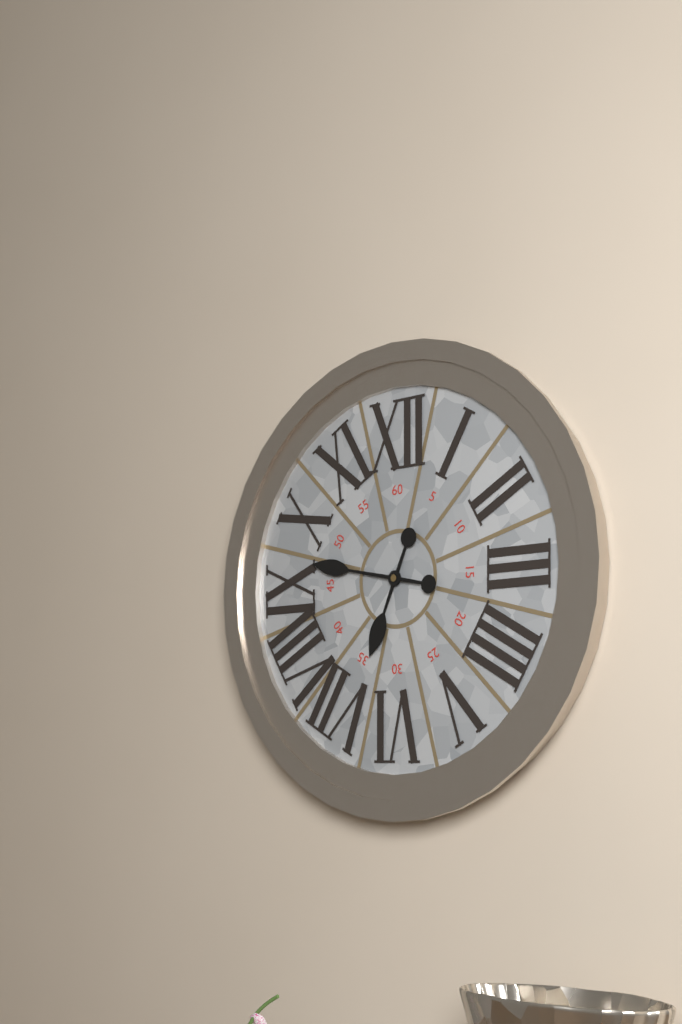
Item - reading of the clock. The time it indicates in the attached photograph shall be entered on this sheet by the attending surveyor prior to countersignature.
6:47
